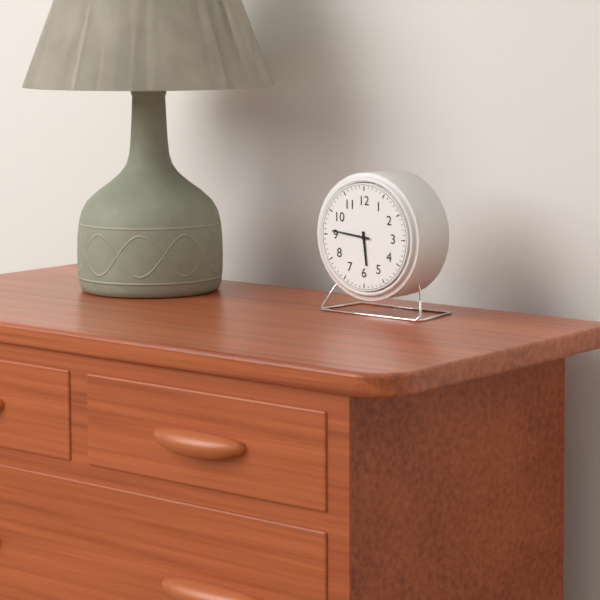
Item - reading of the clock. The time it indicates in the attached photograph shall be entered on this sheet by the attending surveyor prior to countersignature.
5:46
